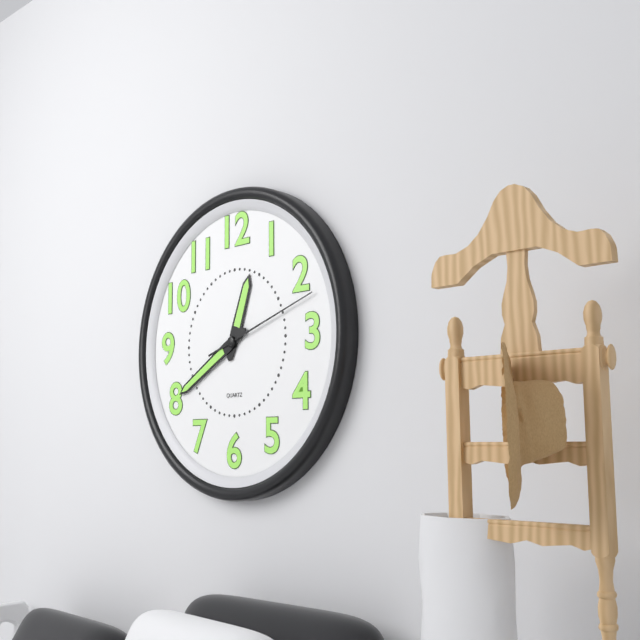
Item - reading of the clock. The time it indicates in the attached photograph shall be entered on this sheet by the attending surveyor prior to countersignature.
12:40:12
